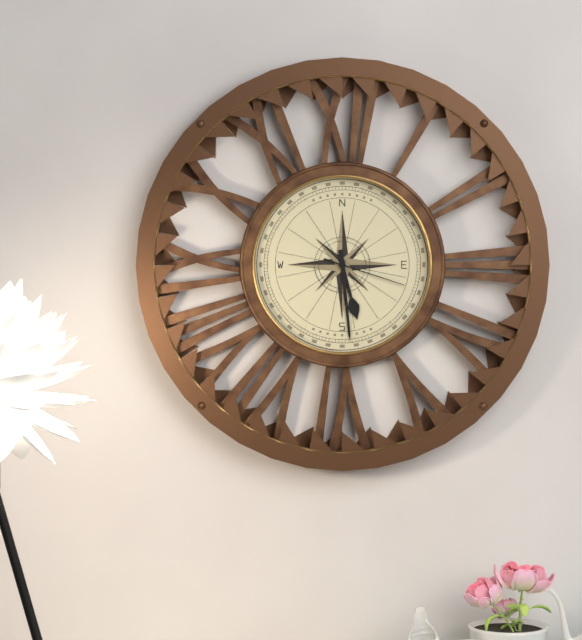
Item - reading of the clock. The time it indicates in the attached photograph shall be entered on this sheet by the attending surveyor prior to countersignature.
5:29:18
